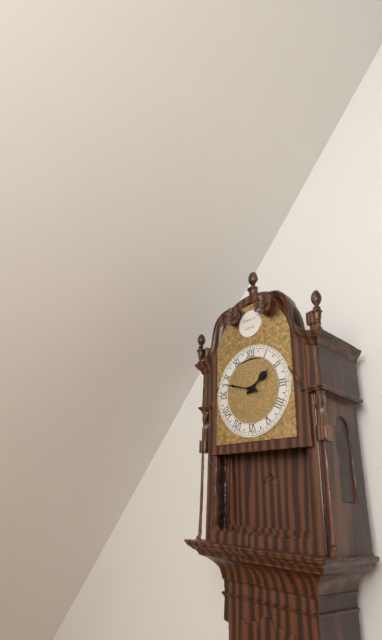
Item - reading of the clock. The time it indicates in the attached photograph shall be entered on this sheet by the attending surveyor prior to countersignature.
1:48
